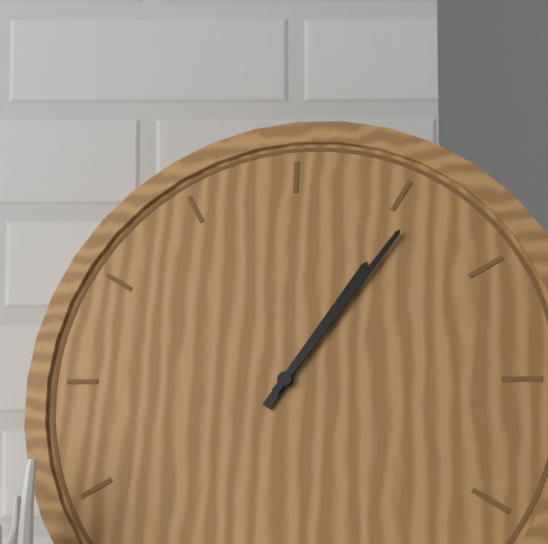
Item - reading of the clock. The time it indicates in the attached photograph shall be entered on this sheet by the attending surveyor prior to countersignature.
1:06
